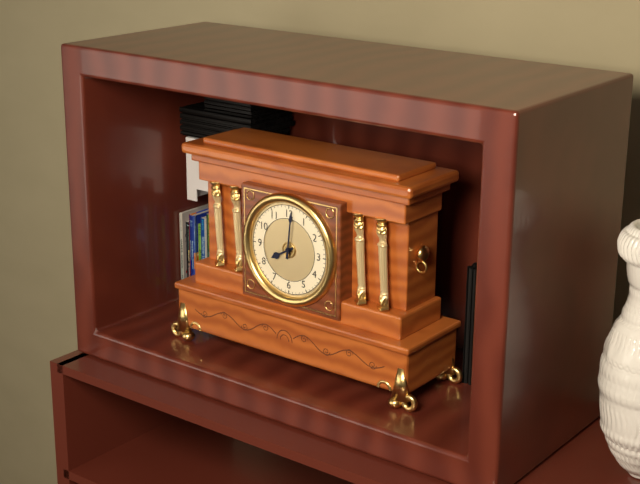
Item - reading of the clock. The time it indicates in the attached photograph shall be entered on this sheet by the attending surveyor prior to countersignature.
8:01
